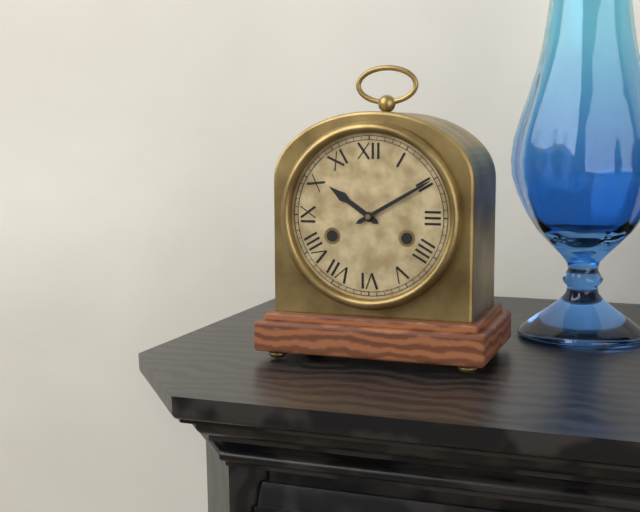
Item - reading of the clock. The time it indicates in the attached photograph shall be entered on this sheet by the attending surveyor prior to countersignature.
10:10
